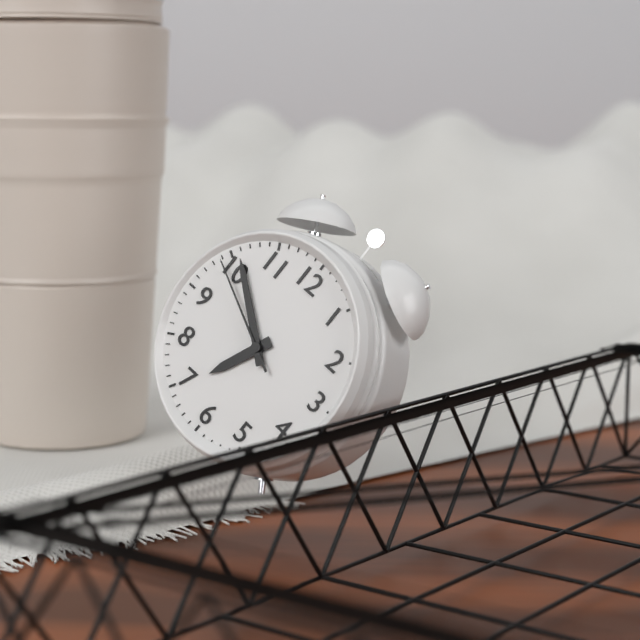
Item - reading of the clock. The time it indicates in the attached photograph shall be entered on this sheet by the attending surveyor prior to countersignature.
6:51:49
